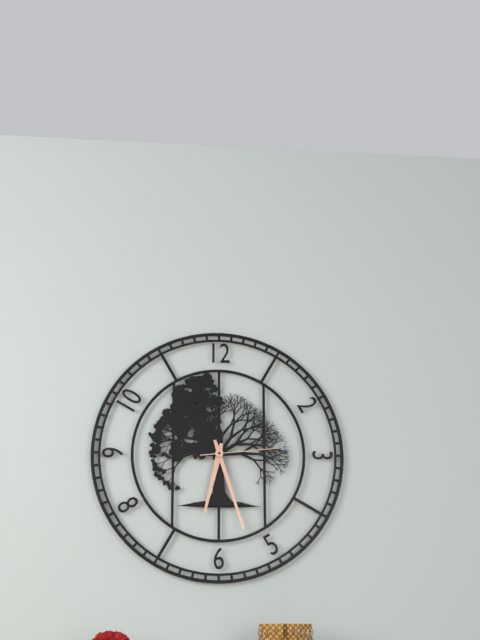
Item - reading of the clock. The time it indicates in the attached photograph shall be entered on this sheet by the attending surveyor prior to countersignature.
6:27:14
